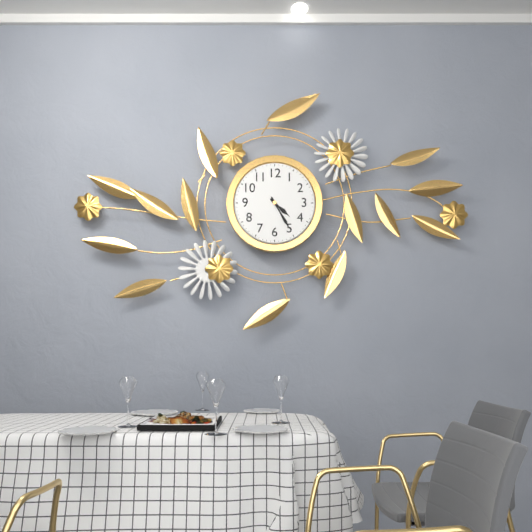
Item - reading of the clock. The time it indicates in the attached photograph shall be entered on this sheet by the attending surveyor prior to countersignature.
4:25
